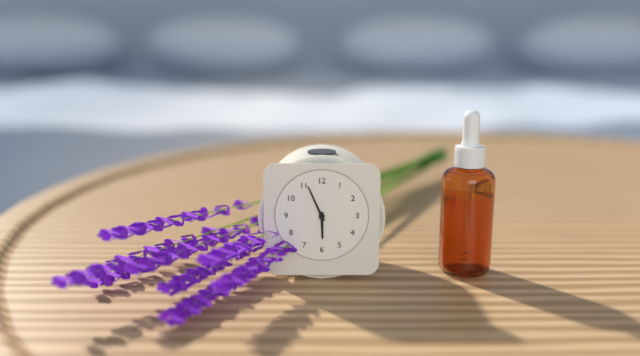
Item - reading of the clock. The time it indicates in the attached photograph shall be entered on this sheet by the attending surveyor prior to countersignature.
5:56
